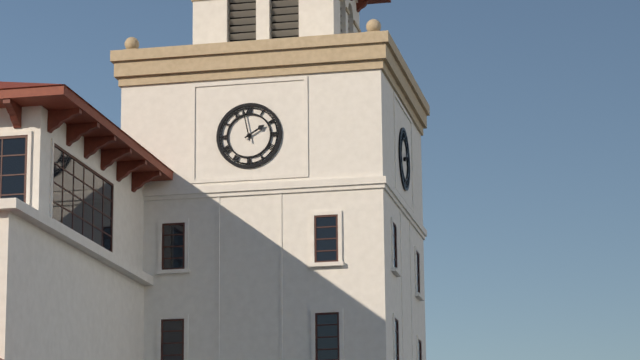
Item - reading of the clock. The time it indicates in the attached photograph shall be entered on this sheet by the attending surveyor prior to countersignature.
1:58
